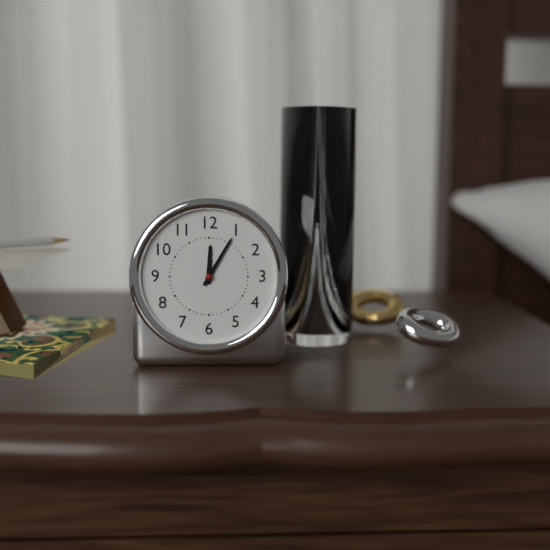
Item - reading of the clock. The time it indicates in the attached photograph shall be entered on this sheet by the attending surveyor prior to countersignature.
12:05
